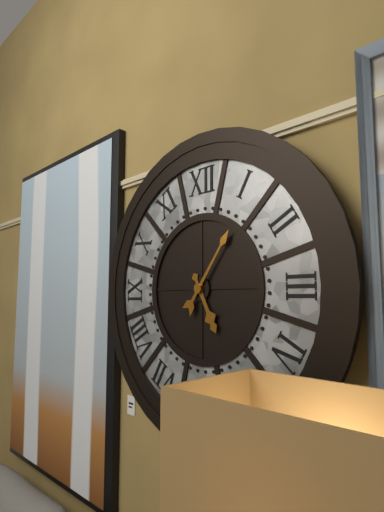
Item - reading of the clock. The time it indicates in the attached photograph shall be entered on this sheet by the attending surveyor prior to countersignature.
5:06
